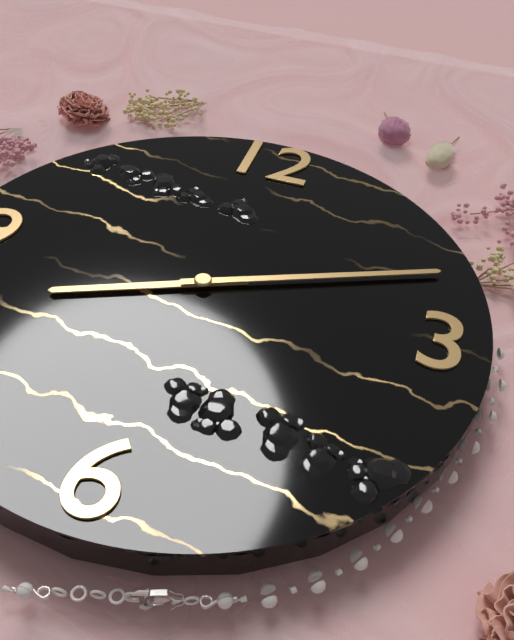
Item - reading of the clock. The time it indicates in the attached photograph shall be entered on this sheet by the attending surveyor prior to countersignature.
8:11
